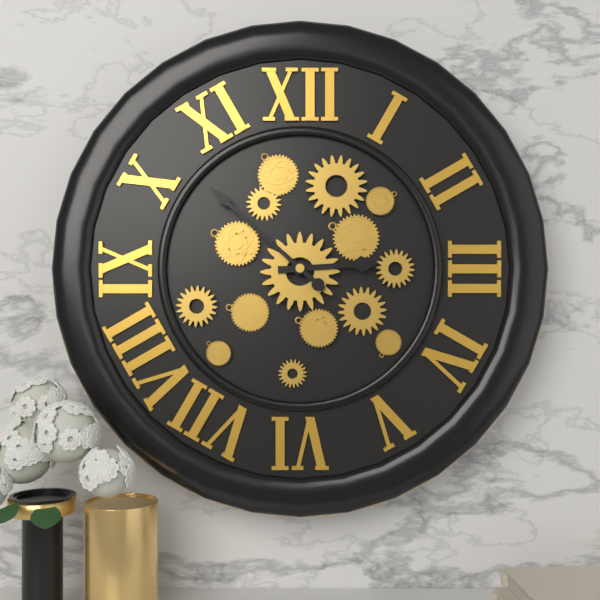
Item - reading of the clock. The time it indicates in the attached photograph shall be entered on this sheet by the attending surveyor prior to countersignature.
2:52
